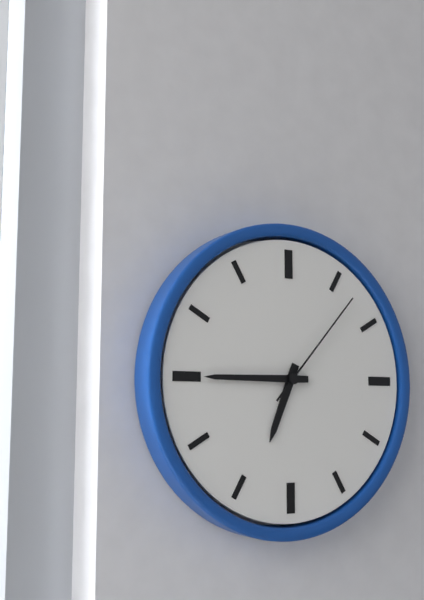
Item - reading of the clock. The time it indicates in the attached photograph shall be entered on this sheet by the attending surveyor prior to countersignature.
6:45:07
